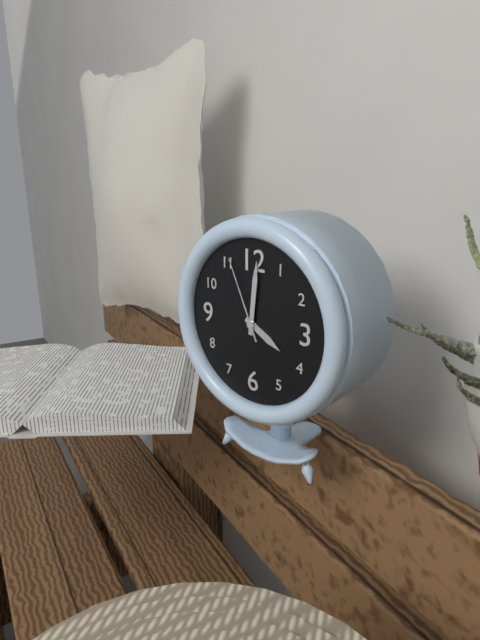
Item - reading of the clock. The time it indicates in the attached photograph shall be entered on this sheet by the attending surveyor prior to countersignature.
4:01:56
